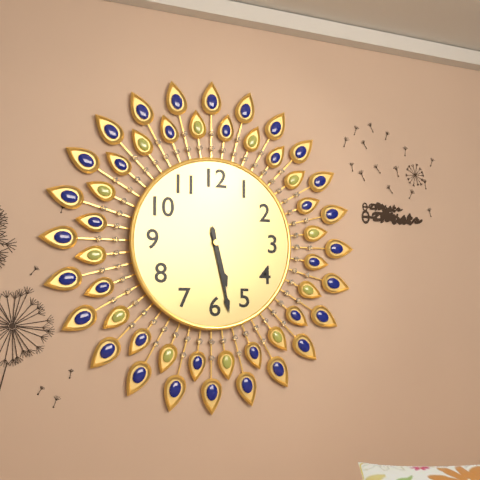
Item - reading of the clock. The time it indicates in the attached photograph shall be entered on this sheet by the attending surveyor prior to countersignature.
5:28
